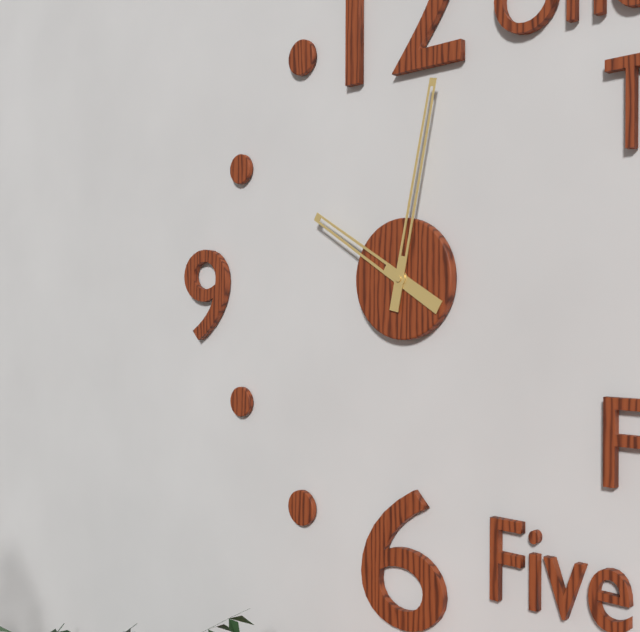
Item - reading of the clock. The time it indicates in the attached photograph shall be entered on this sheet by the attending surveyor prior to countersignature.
10:02
